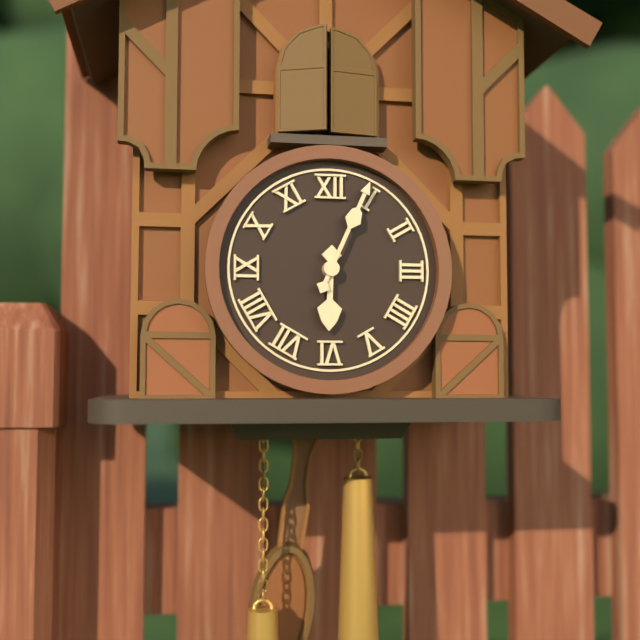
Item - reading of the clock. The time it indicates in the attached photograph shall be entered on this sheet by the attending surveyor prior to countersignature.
6:04
